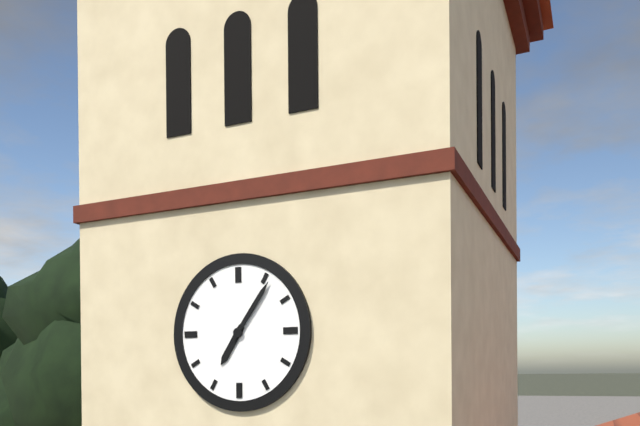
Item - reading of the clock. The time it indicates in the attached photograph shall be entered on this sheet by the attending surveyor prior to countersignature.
7:06
